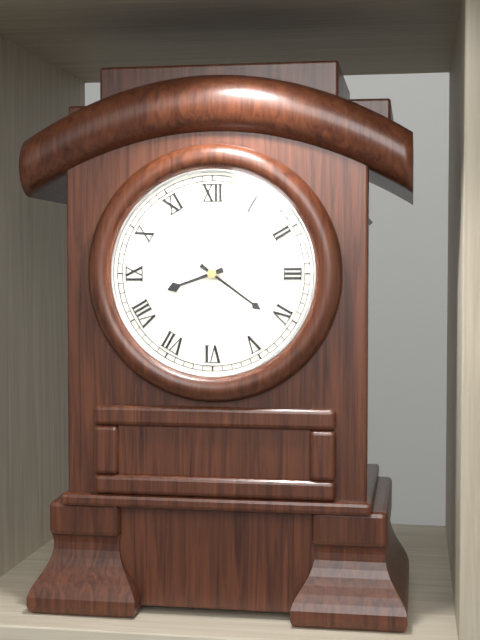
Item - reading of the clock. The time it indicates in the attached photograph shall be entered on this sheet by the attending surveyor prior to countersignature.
8:21
